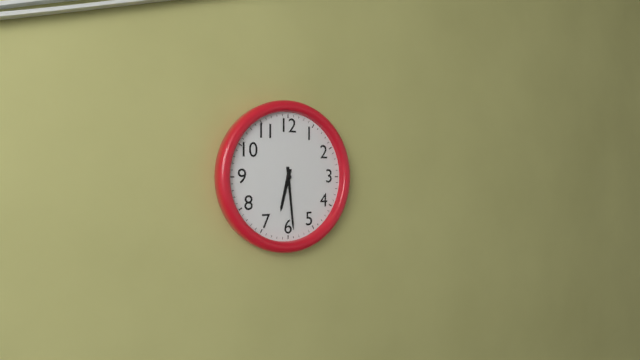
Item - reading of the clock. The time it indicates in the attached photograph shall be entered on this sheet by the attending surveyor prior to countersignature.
6:29
